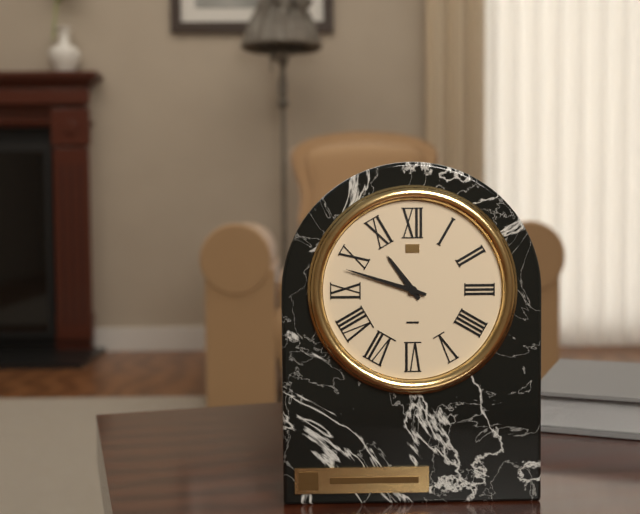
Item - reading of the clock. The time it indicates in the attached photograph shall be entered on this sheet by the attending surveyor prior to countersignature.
10:48
